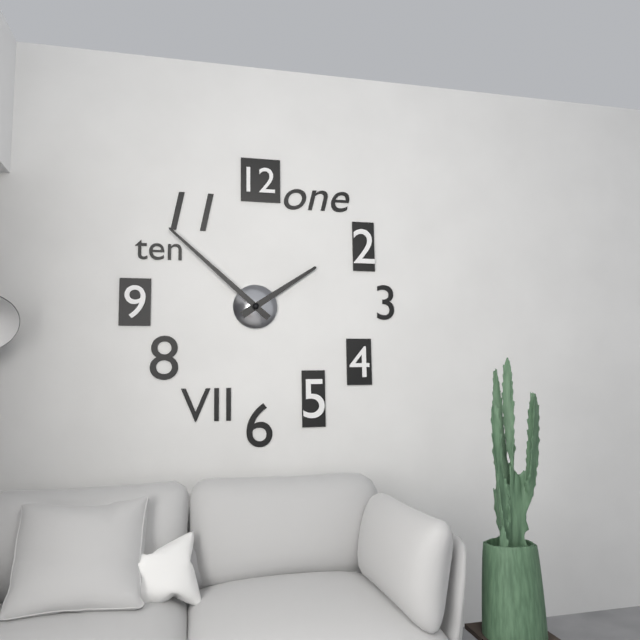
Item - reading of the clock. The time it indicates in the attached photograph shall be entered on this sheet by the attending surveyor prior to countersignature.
1:52
